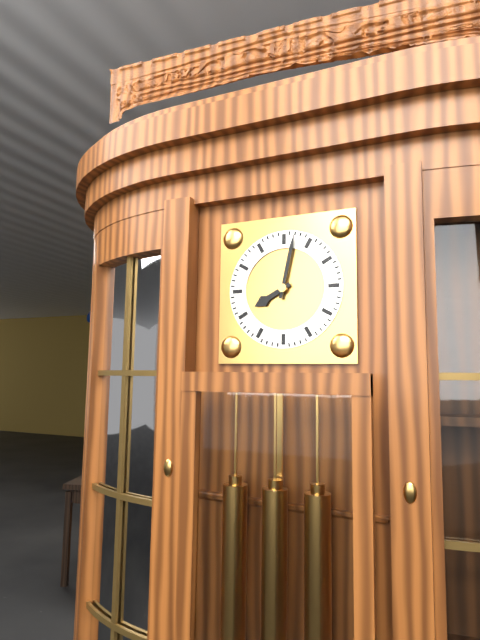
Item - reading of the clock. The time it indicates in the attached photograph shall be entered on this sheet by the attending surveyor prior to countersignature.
8:02
